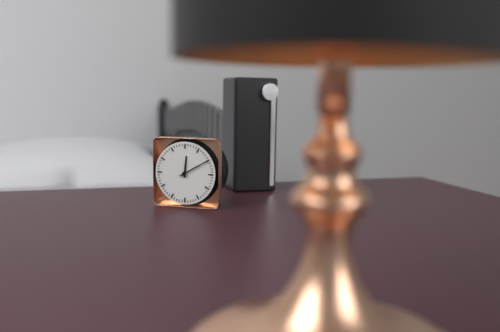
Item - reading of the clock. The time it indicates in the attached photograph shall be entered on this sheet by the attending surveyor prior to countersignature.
12:10
